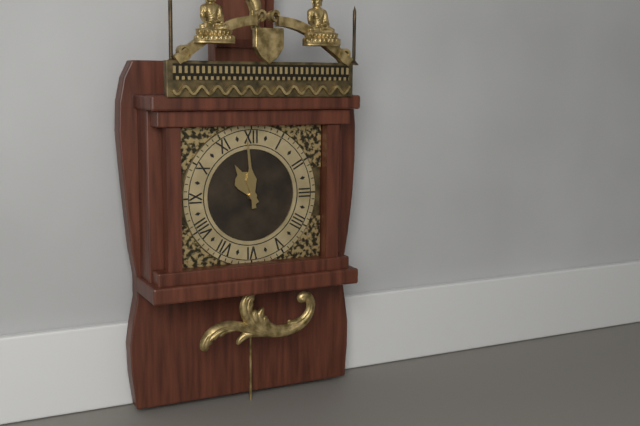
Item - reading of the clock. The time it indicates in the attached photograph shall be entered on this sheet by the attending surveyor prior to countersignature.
10:59
